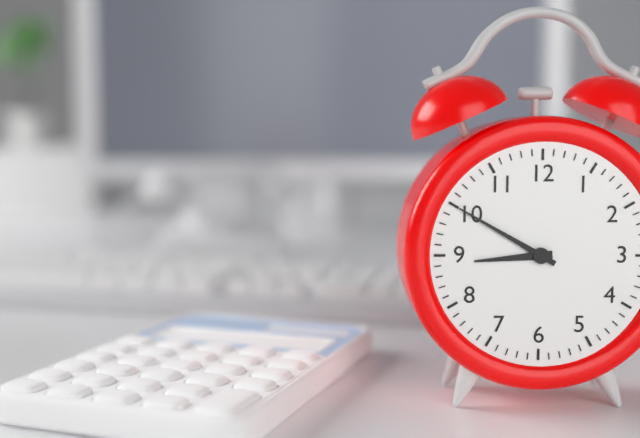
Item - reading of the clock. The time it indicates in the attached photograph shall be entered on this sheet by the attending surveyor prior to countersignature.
8:50
